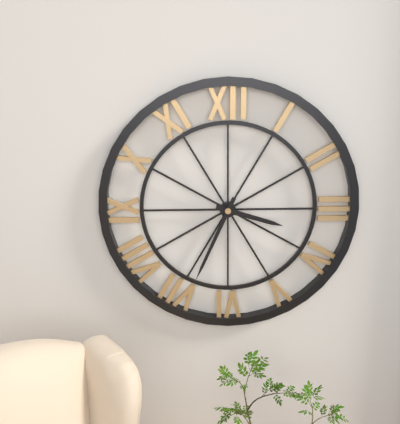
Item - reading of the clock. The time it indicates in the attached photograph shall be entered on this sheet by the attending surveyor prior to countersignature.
3:34
